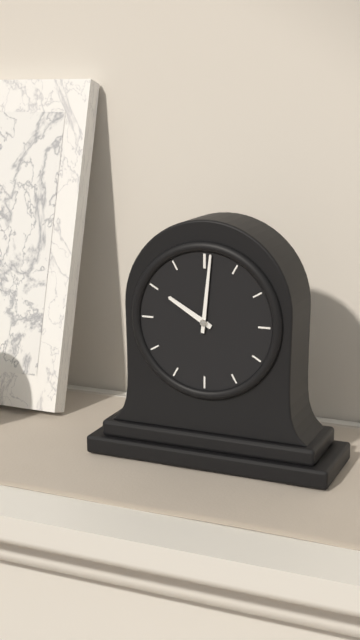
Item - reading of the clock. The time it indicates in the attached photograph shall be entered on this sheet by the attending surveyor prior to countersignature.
10:01
